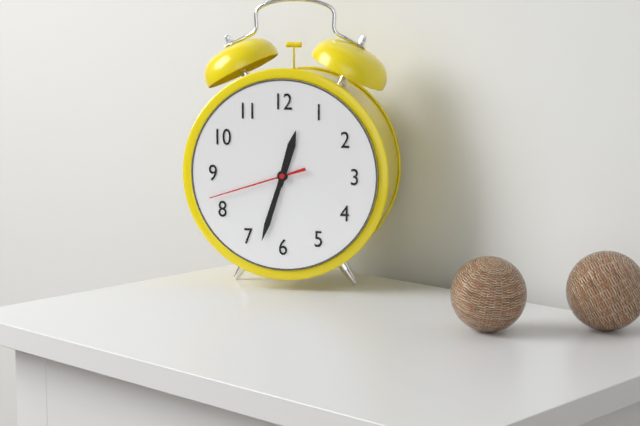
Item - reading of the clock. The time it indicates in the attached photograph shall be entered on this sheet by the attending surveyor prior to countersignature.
12:33:42
